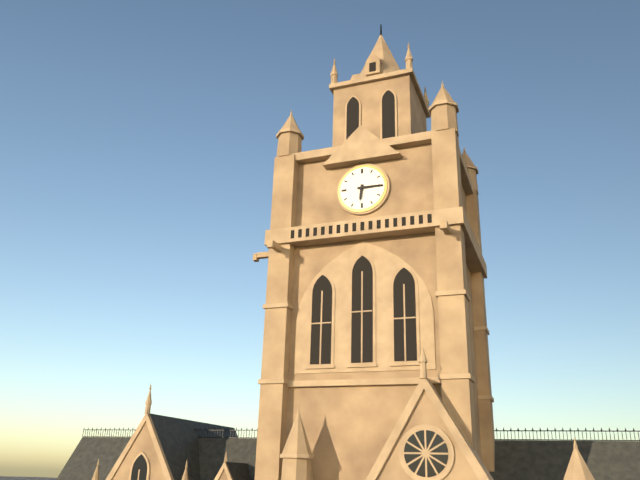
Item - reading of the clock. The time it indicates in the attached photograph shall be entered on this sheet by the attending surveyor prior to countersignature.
6:15
